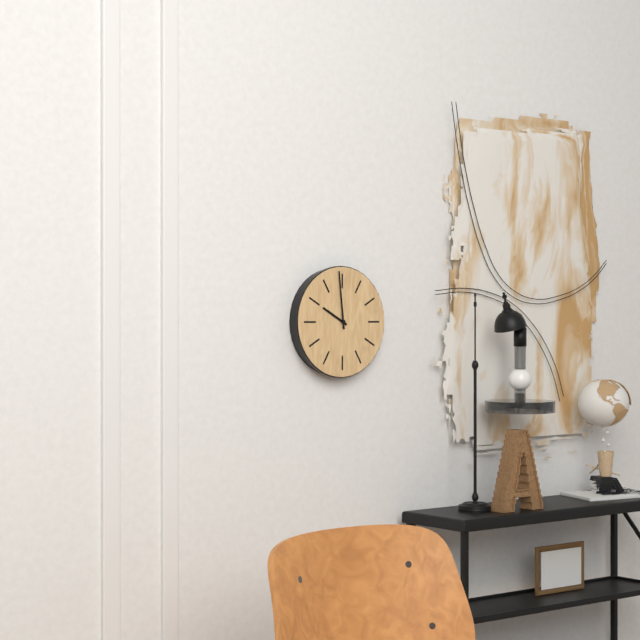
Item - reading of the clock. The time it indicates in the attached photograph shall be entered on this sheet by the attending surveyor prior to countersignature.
9:59
